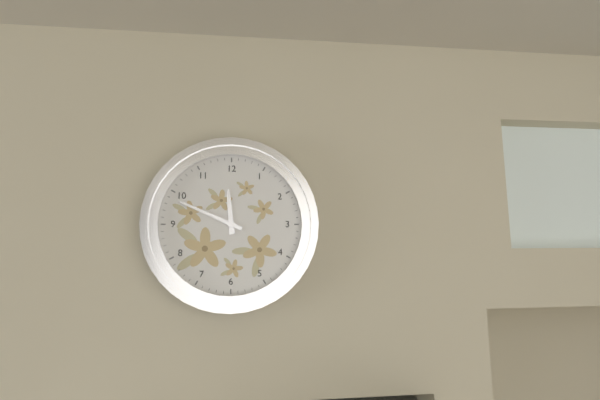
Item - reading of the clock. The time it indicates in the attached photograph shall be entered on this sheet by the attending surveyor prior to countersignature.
11:49
